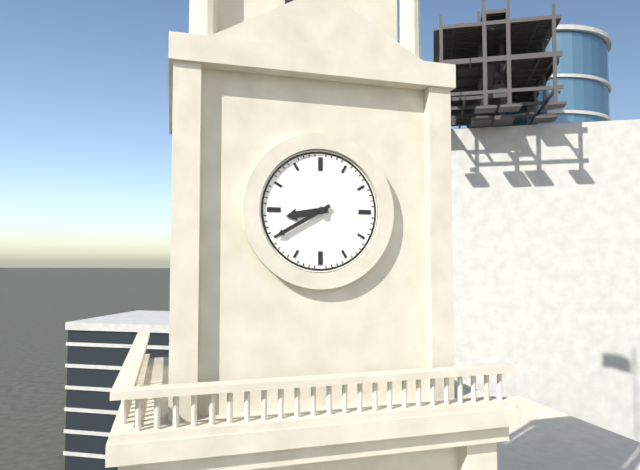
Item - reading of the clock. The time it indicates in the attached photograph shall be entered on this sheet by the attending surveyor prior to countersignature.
8:40
